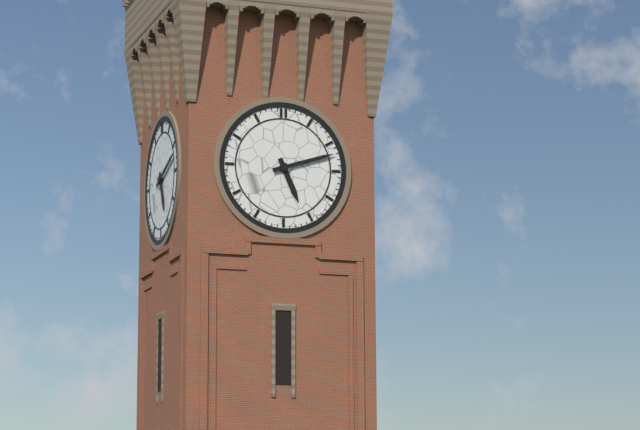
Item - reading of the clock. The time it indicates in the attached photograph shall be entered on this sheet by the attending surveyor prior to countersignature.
5:12
